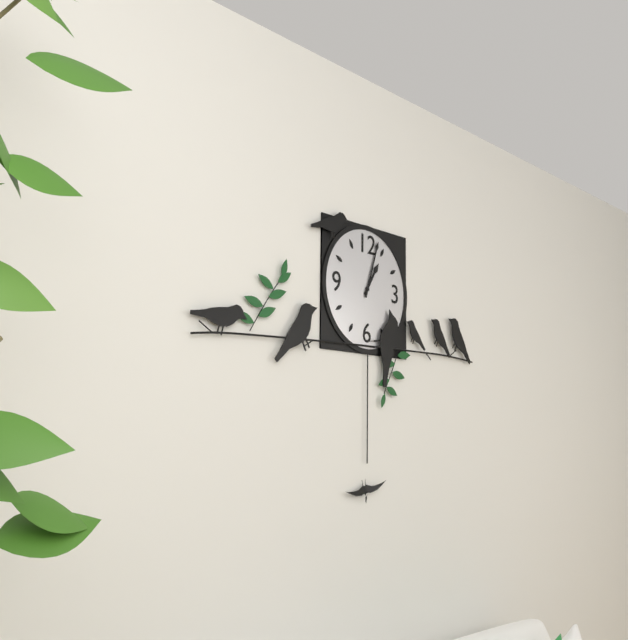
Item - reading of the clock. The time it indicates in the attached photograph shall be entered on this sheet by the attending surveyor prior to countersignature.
1:03
